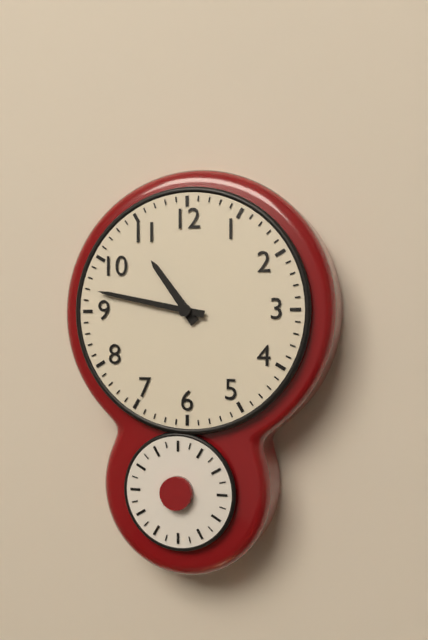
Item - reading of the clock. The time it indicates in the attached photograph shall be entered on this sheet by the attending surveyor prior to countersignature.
10:47
